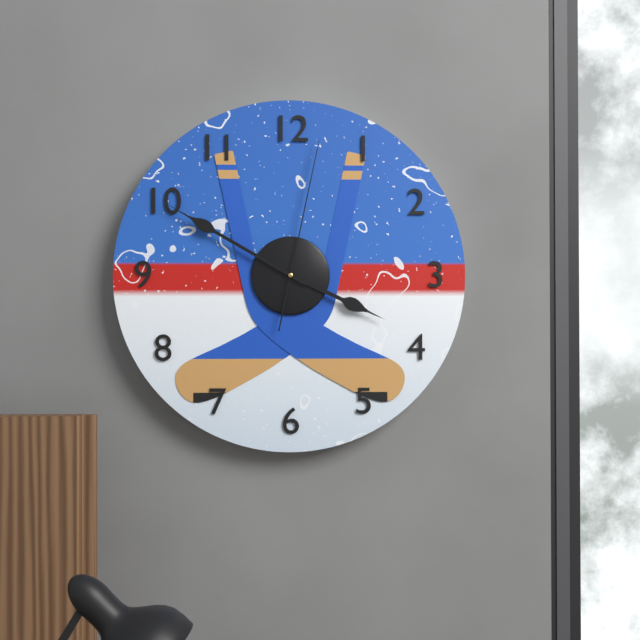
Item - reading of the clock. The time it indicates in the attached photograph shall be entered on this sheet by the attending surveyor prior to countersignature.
3:50:02
